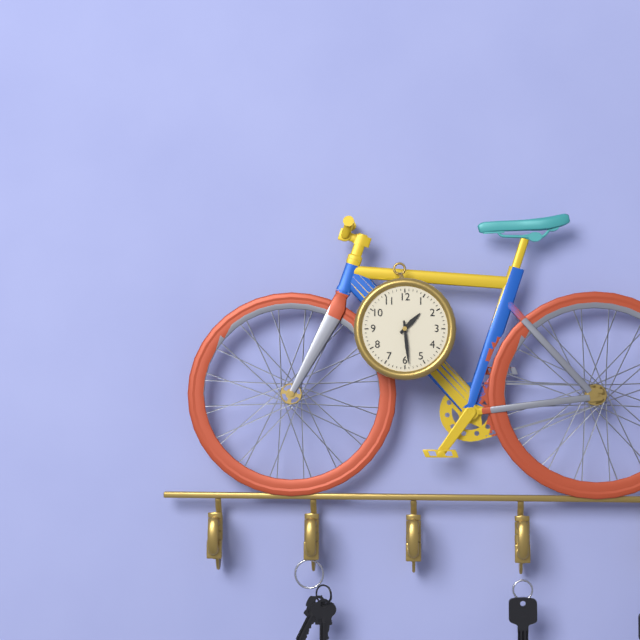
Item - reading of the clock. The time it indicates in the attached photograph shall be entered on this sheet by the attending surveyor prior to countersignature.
1:29
